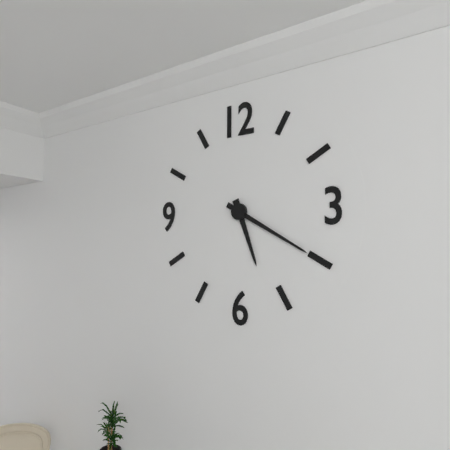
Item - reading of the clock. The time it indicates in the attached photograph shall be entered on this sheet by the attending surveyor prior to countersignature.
5:20
